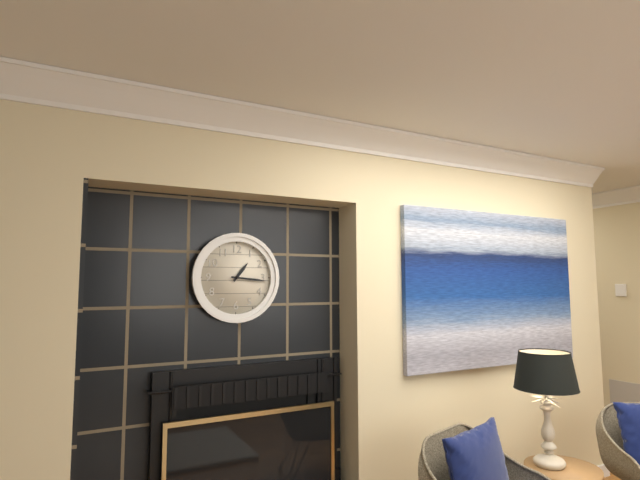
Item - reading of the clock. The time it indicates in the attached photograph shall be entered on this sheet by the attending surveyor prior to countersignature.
1:16
